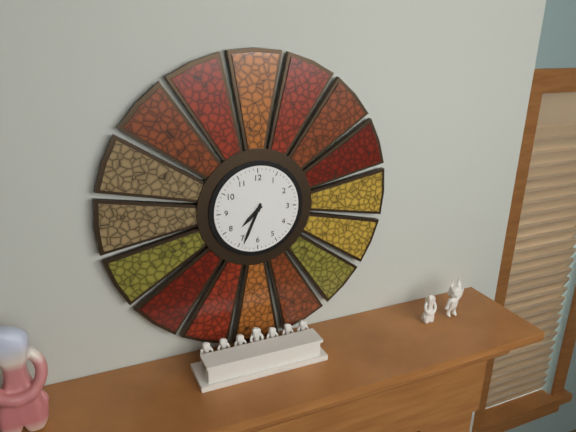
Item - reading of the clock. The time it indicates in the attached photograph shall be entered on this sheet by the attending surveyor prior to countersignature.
7:34
